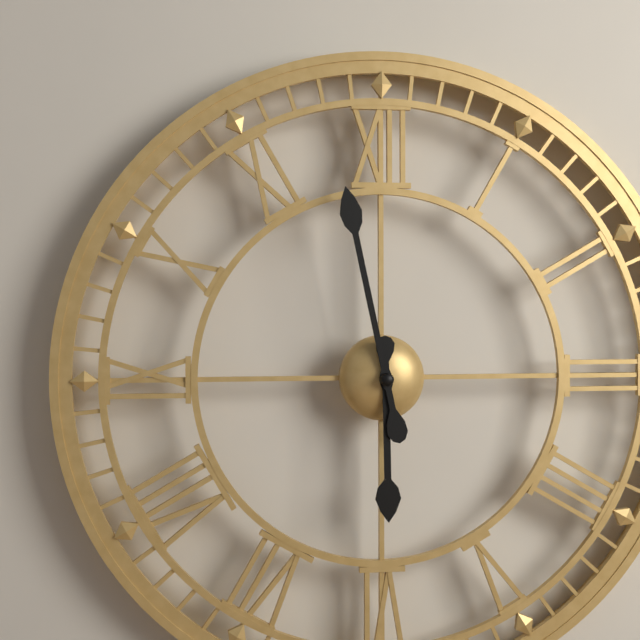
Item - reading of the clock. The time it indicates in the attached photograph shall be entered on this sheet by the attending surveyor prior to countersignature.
5:58
